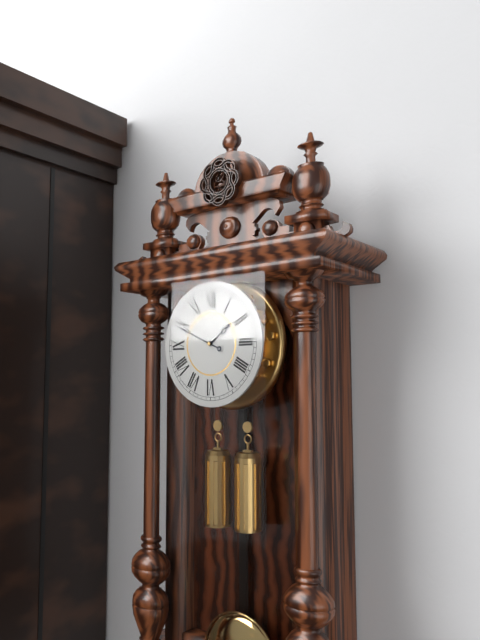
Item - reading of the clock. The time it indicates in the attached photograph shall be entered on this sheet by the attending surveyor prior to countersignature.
1:49
